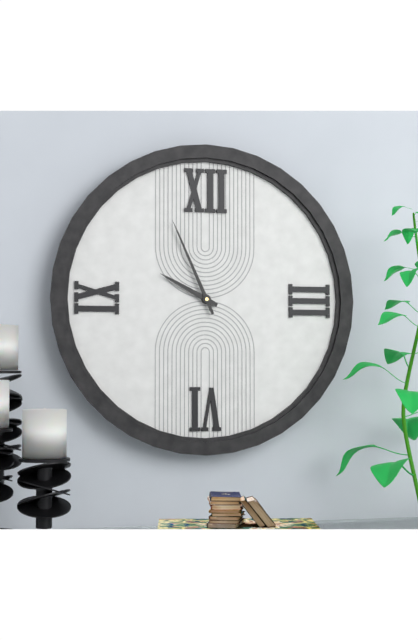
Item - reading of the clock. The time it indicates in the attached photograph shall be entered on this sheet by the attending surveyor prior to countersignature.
9:56
